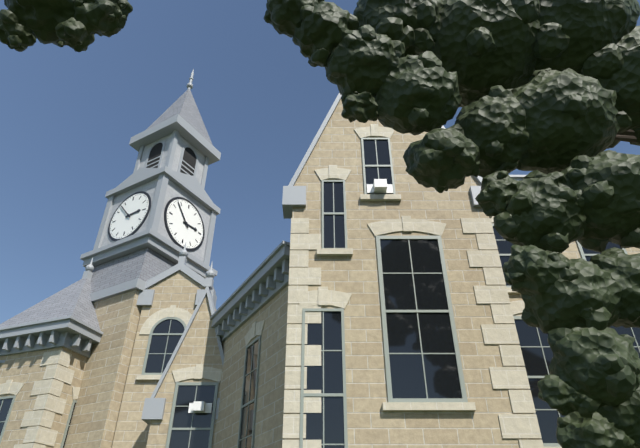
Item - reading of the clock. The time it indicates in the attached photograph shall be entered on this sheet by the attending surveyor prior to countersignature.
2:53
